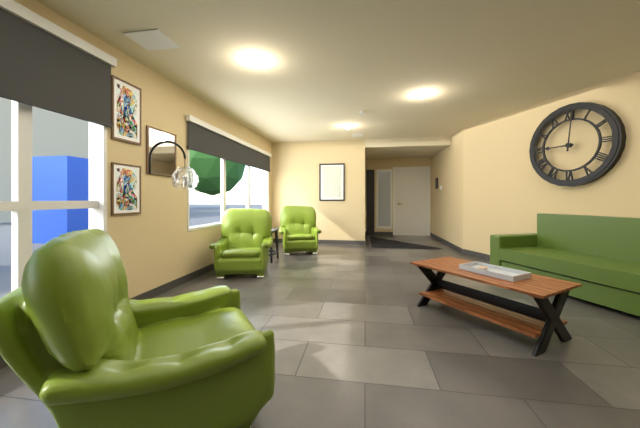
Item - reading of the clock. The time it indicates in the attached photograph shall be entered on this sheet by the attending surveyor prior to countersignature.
9:01
